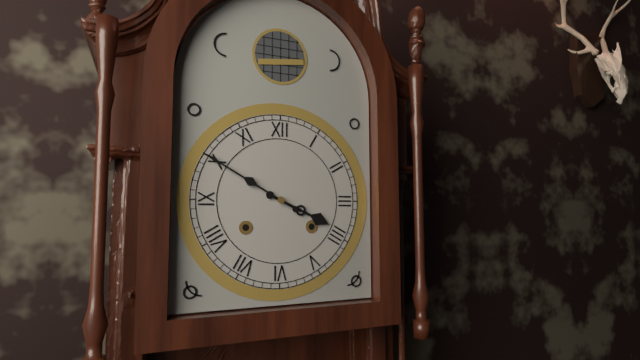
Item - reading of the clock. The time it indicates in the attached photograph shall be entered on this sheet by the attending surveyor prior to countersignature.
3:50
